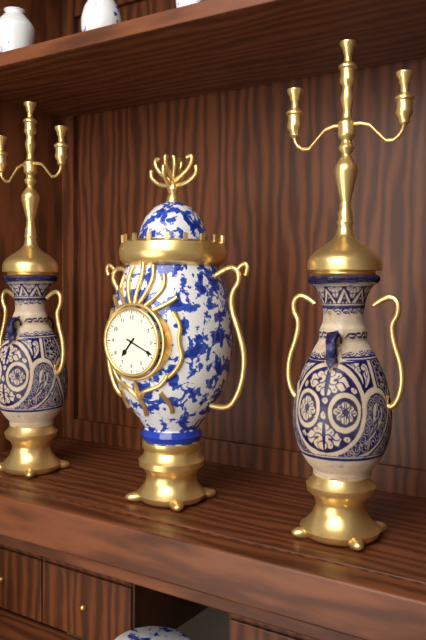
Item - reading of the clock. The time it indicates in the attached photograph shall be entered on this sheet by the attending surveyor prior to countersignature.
7:19
